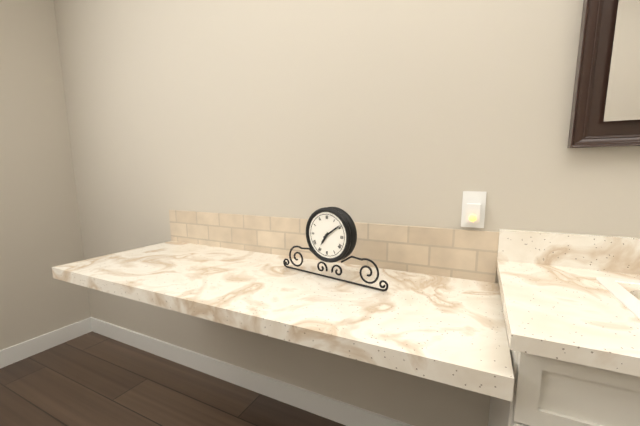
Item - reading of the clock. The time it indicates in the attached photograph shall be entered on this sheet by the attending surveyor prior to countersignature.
7:09
